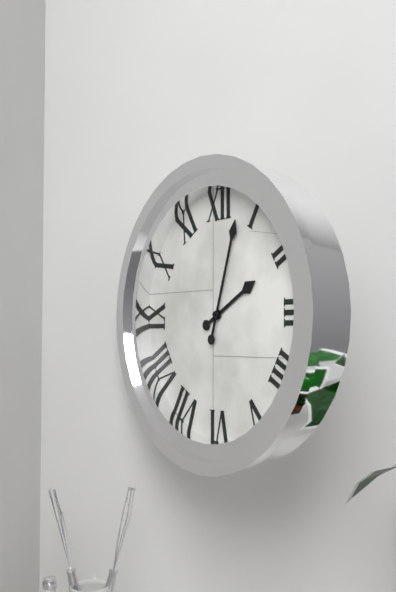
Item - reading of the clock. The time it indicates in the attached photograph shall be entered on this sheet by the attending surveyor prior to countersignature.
2:03
